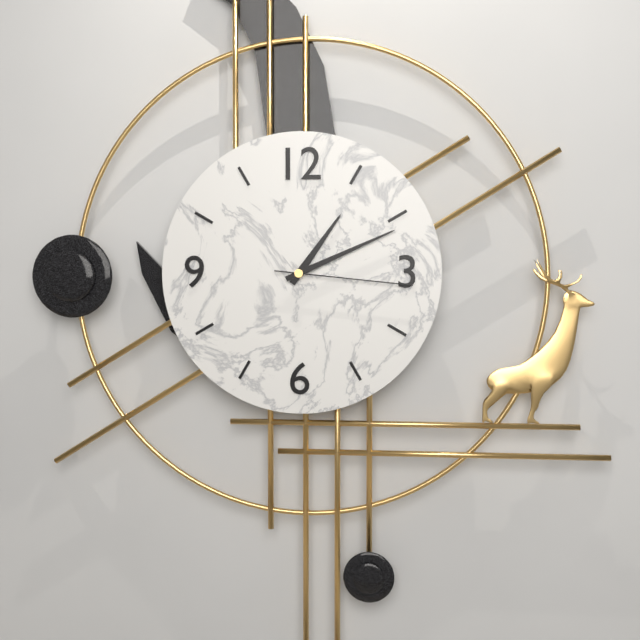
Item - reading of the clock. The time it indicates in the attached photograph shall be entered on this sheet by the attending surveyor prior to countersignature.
1:11:16
